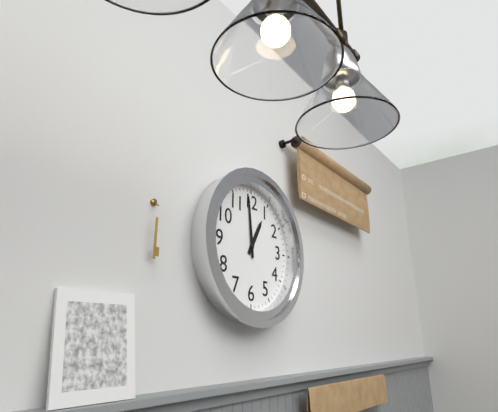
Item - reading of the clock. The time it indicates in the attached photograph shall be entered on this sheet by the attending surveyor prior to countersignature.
12:59
